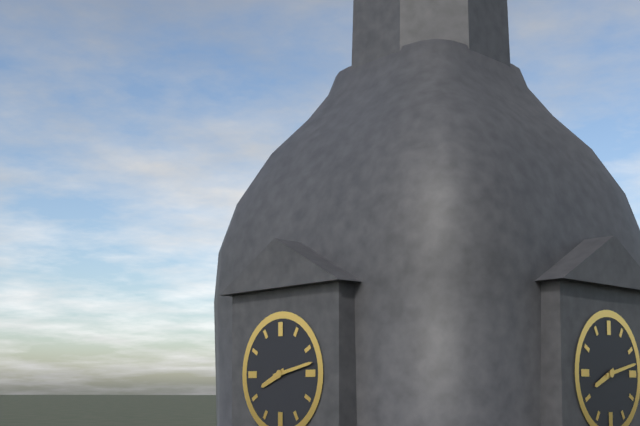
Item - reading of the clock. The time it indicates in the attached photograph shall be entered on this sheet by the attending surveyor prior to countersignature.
8:13
